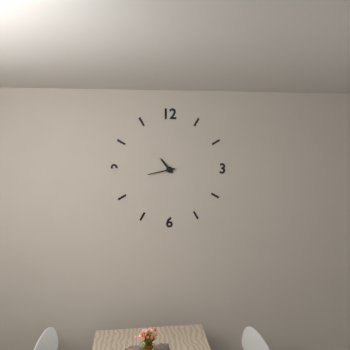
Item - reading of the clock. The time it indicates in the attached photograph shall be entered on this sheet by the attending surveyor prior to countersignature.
10:43
